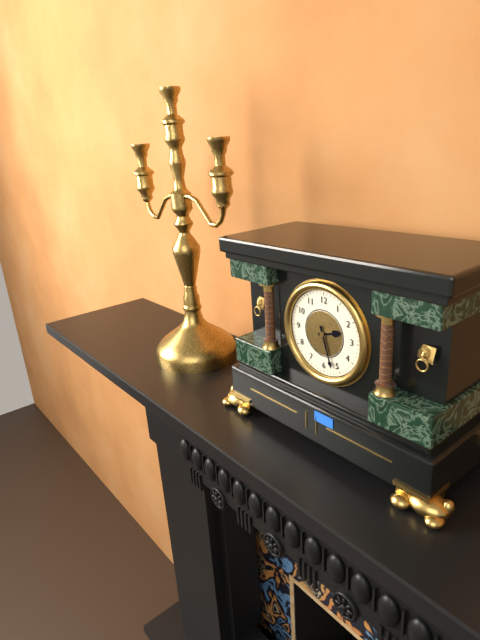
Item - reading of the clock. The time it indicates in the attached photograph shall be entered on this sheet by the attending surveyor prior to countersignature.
2:27
